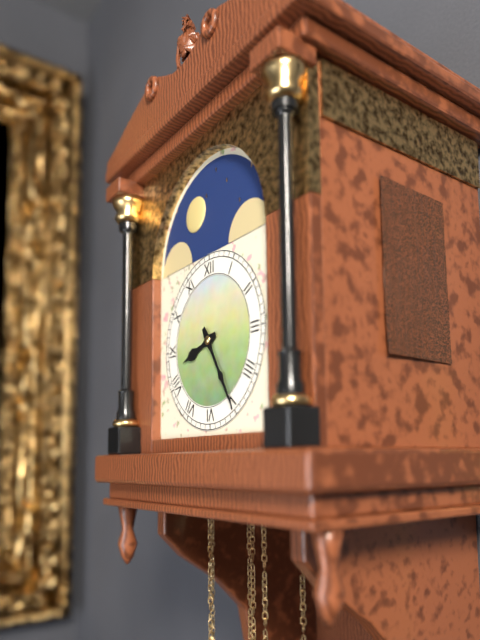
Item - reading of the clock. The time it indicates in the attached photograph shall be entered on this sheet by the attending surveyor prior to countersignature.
8:25
